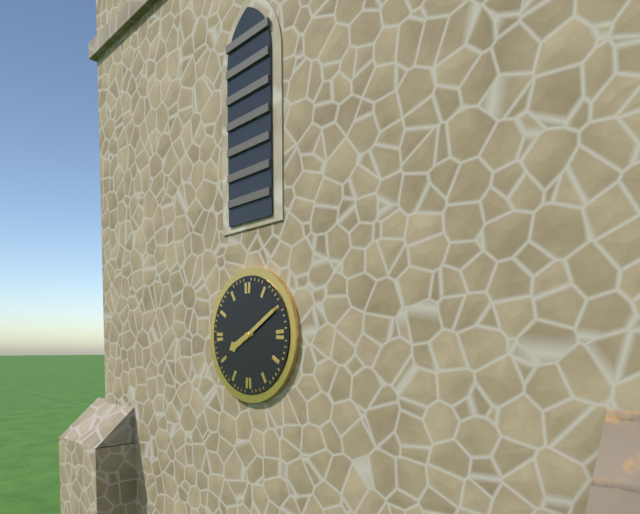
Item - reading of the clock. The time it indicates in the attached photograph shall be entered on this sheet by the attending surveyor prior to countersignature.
8:10
